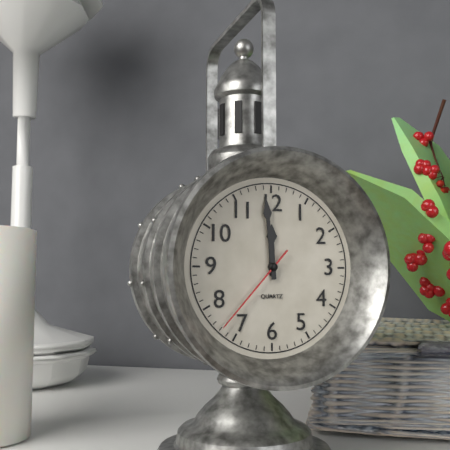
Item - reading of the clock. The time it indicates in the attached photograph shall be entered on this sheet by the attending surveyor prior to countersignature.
11:59:37
